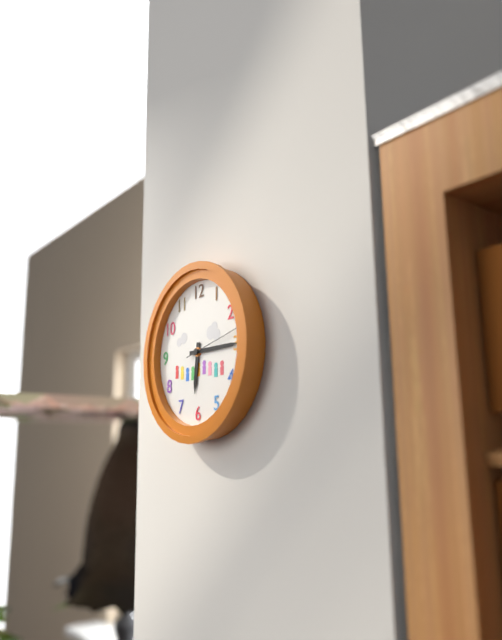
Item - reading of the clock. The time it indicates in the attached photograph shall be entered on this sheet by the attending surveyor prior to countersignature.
6:15:13
